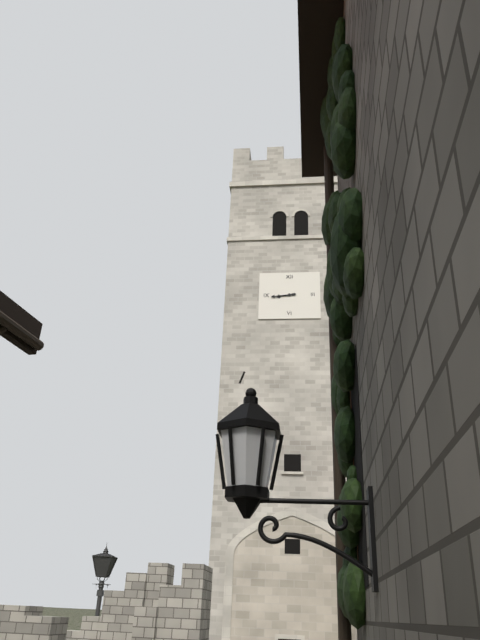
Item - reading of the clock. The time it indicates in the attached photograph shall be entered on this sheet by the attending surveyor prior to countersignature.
8:44
